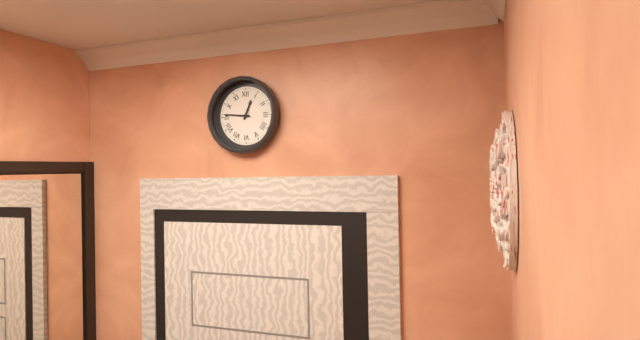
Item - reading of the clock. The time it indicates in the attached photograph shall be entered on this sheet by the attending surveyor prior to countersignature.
12:46
